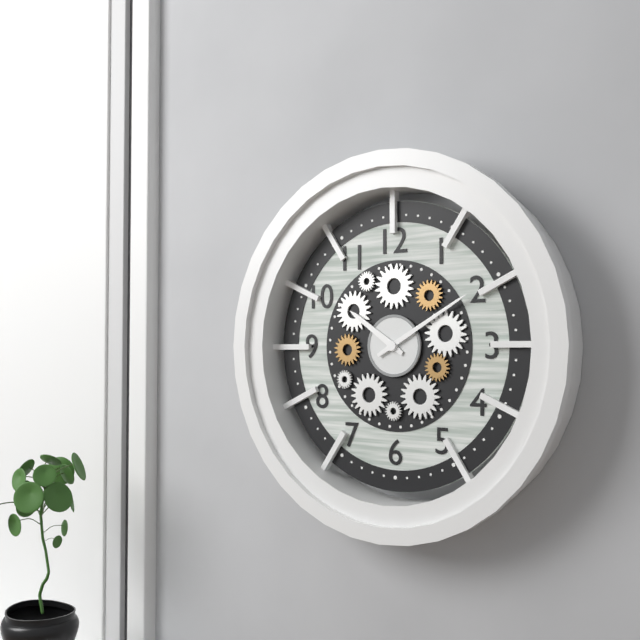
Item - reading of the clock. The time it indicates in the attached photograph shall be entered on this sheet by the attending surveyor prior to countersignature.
10:10
